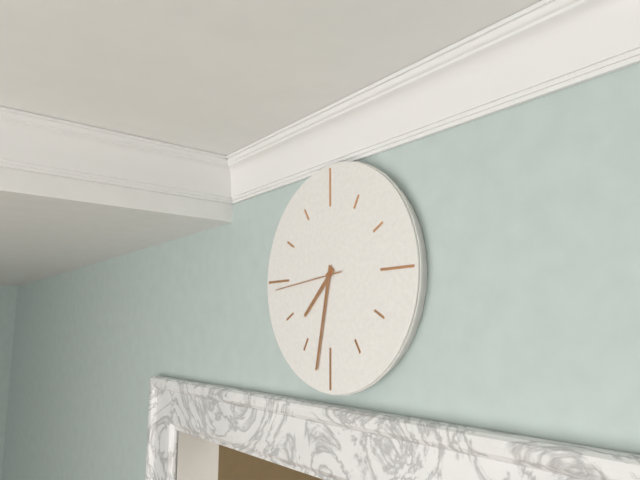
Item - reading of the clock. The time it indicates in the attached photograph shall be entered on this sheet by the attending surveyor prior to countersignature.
7:32:44
